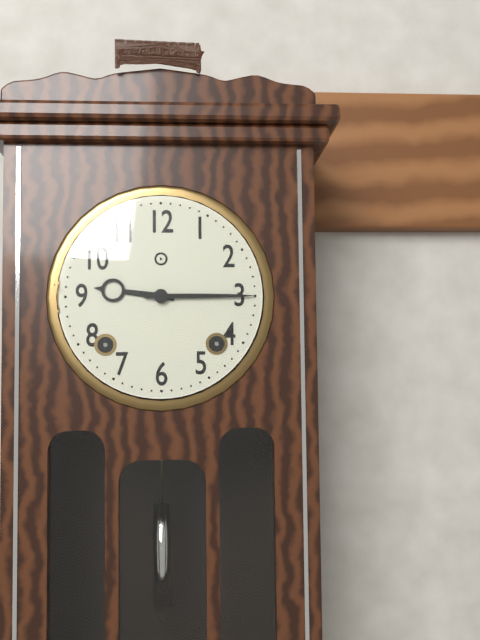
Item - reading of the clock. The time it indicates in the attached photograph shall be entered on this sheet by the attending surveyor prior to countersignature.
9:15
